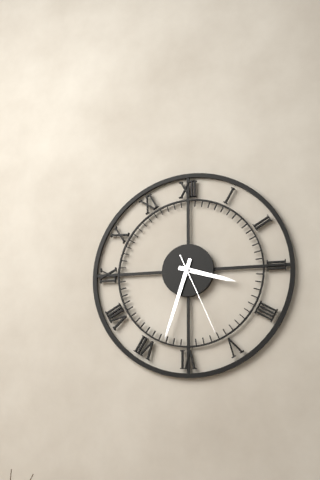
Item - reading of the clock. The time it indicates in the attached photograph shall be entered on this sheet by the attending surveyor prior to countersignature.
3:33:26
